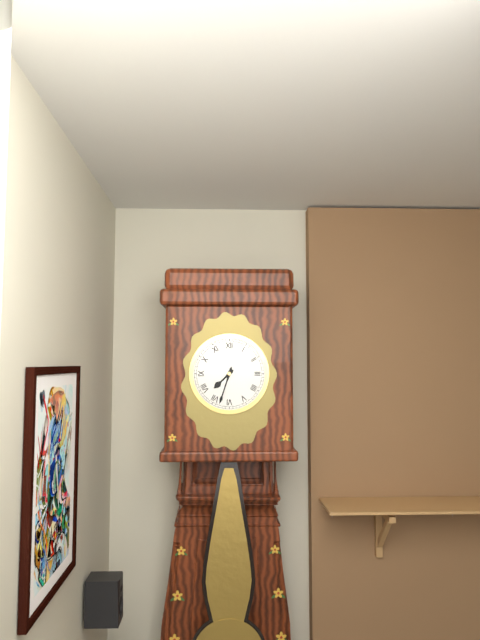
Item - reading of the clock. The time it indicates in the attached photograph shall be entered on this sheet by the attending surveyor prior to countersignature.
7:33
